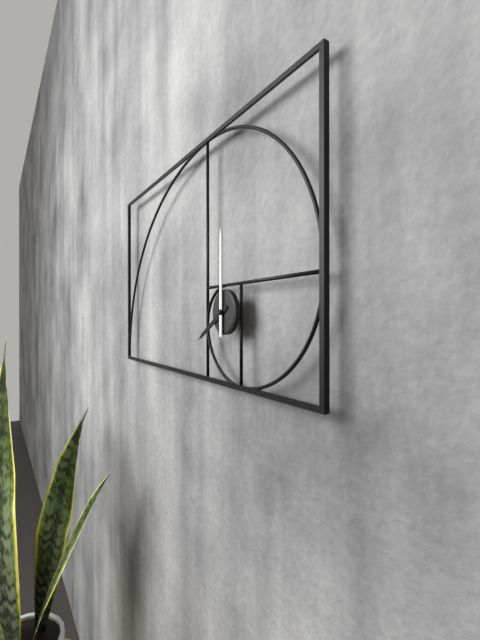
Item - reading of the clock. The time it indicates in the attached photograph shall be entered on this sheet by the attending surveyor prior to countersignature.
8:00
